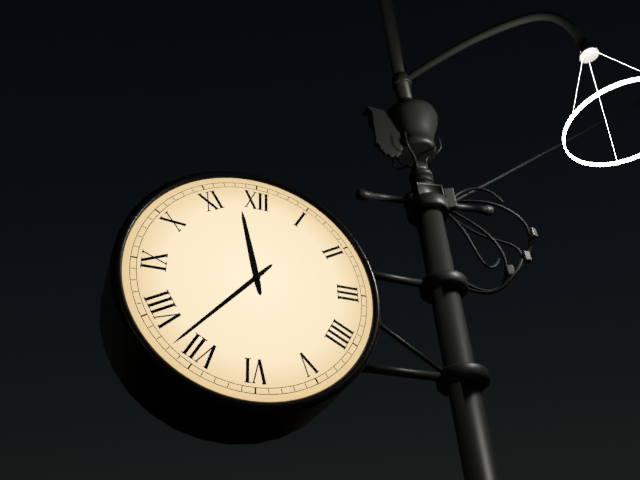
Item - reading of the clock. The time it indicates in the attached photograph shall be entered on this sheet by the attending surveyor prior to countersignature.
11:37
